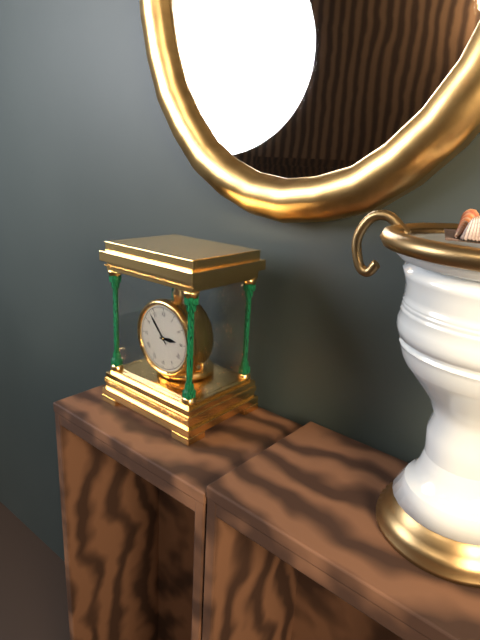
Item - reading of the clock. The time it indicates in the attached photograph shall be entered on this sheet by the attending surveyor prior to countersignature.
2:53
